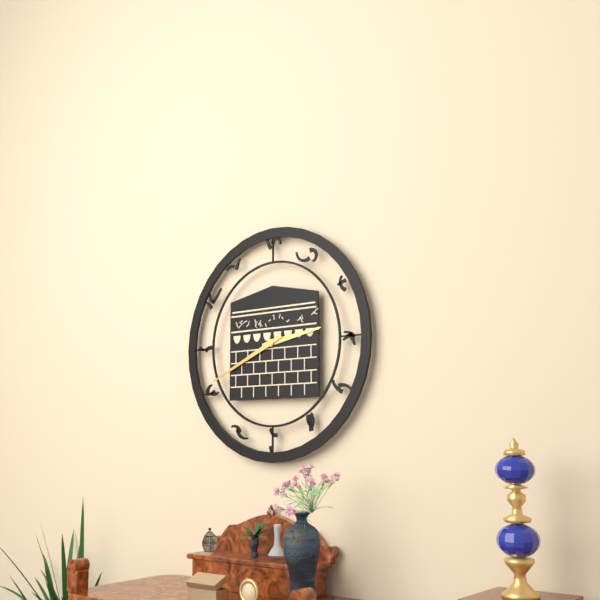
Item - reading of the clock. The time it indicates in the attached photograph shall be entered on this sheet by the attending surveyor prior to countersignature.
2:41
